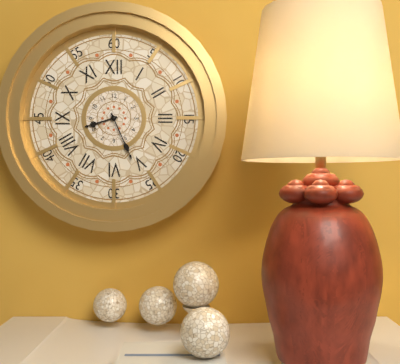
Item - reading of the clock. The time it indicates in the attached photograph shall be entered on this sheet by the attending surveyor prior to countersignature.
8:26
